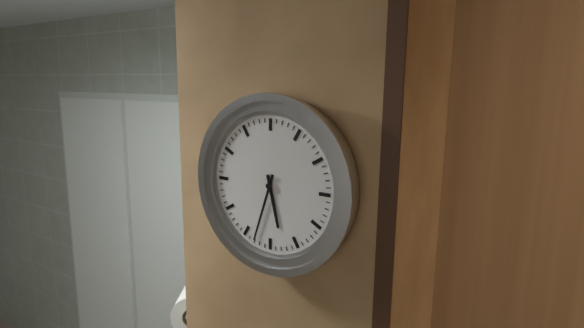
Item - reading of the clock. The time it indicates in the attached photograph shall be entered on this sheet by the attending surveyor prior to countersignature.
5:33
